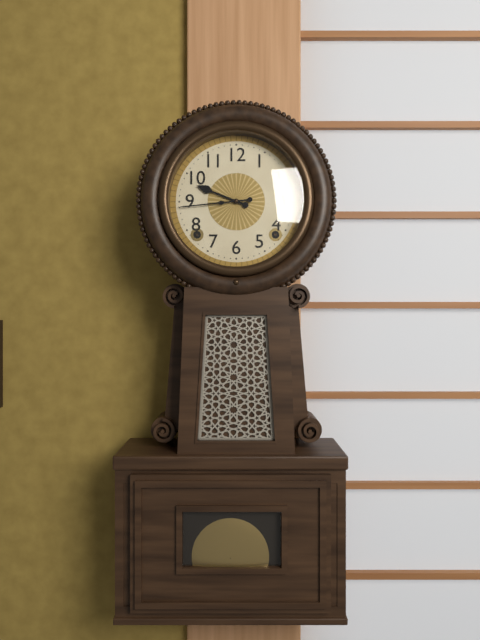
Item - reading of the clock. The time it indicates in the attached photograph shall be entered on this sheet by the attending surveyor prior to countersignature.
9:44
